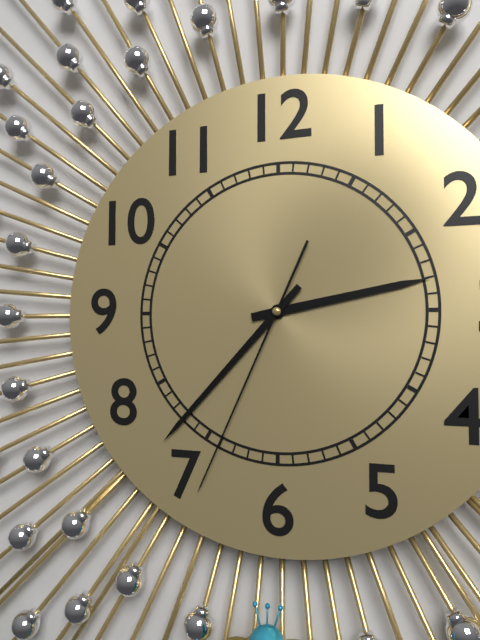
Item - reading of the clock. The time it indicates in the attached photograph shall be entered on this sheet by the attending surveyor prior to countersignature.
2:37:34
